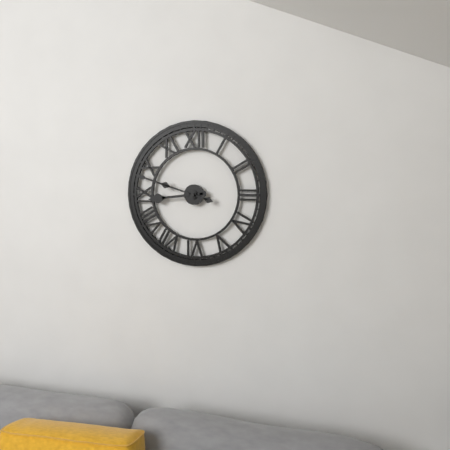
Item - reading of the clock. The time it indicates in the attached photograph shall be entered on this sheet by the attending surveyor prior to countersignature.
8:48
